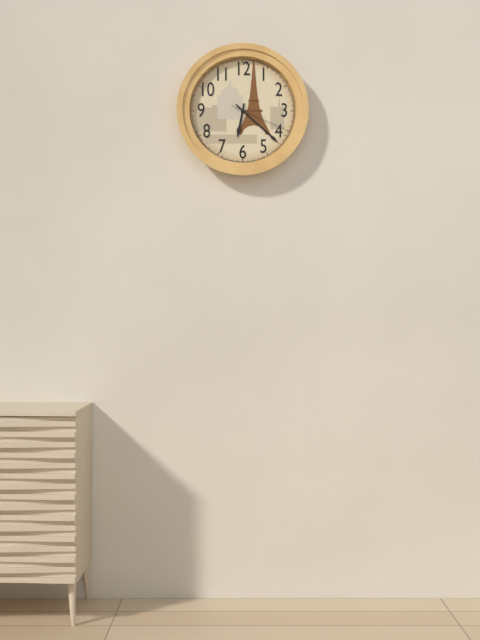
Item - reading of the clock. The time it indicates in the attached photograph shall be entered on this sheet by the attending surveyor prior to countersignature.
6:22:19
